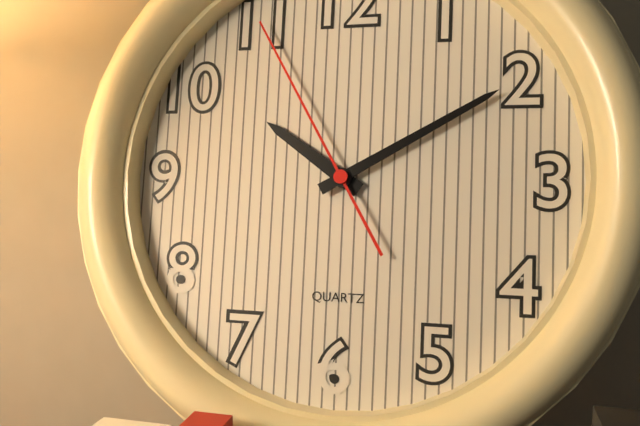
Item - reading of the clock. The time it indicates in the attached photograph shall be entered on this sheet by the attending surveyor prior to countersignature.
10:10:55
